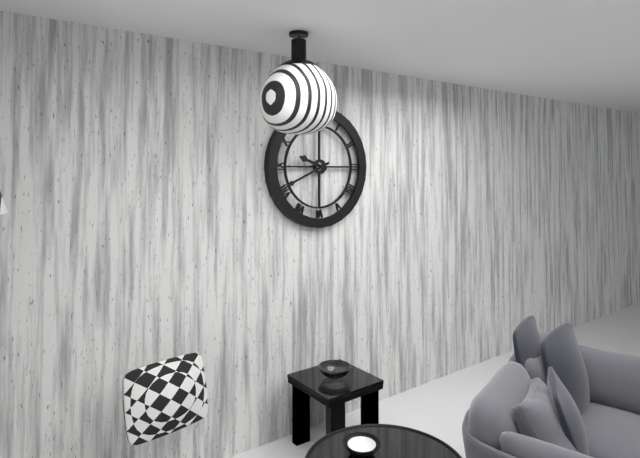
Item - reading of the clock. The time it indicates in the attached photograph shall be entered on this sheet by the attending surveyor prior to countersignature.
9:41
